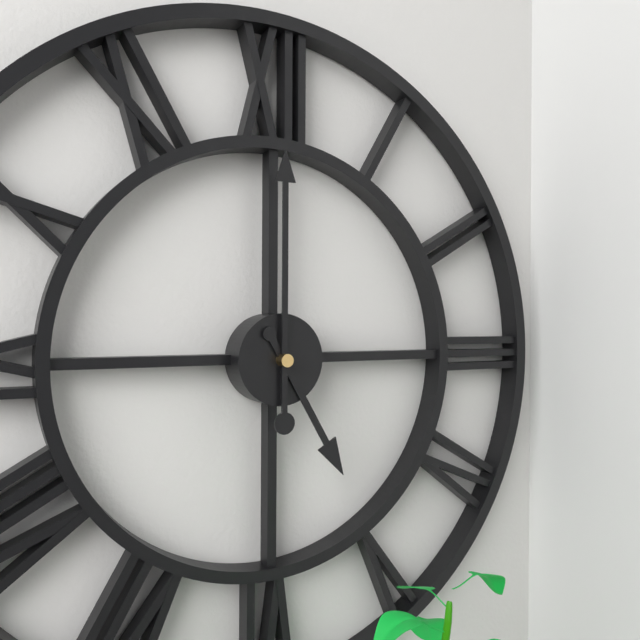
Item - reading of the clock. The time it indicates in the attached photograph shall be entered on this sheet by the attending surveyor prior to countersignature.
5:00
